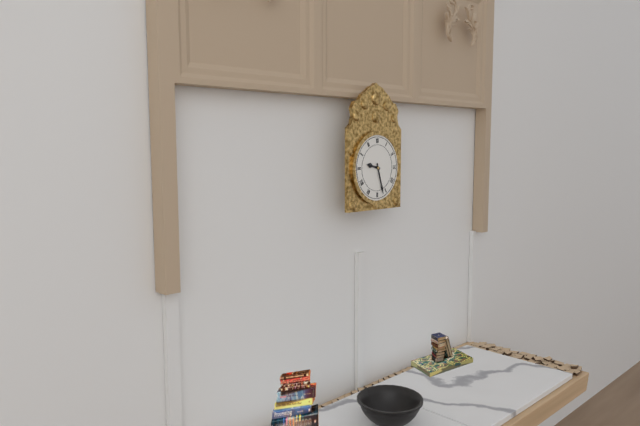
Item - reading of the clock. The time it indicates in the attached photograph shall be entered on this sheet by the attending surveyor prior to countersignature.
9:27
